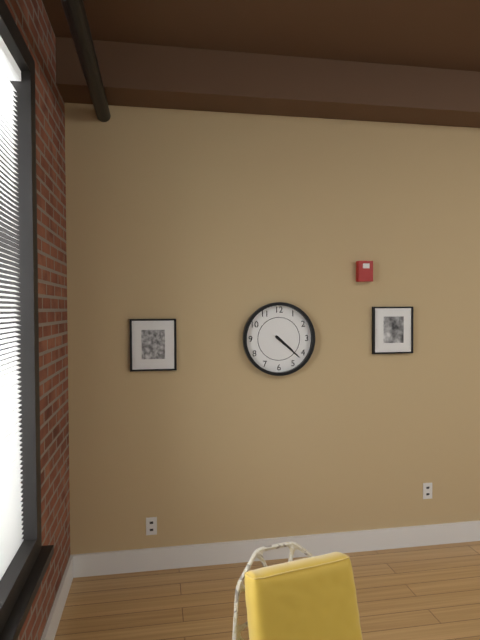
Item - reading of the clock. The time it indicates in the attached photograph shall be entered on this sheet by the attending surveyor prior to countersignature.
4:22
